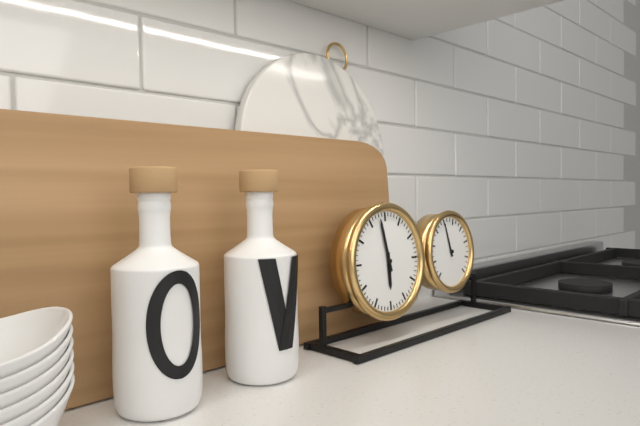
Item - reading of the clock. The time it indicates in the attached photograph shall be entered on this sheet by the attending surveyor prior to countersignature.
5:58
